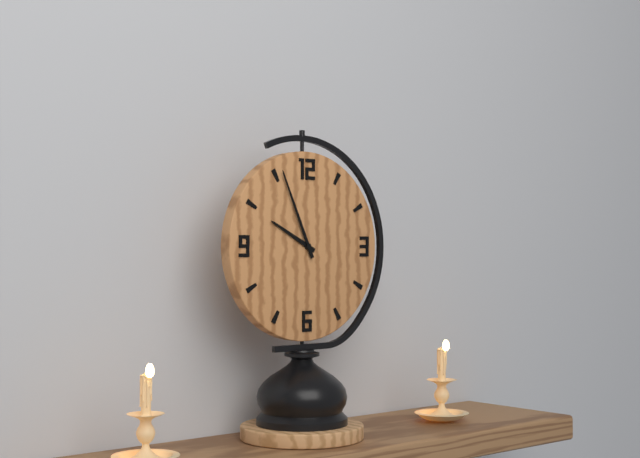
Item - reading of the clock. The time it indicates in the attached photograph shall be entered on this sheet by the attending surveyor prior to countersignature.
9:56
